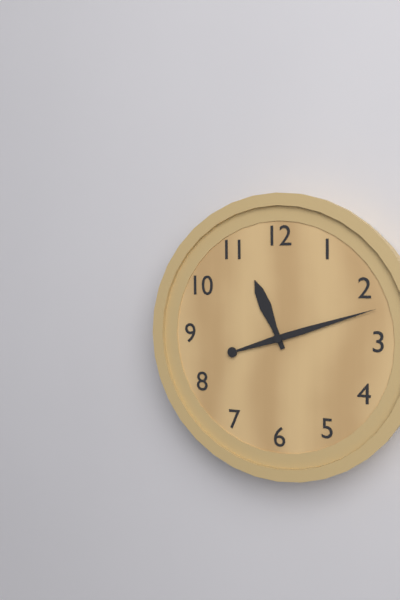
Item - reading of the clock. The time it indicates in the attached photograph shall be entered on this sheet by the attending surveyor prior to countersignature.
11:12
